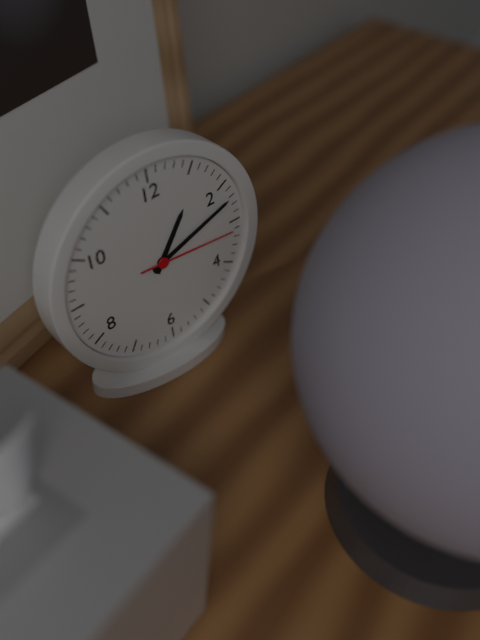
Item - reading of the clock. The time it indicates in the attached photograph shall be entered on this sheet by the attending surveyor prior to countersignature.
1:12:16
